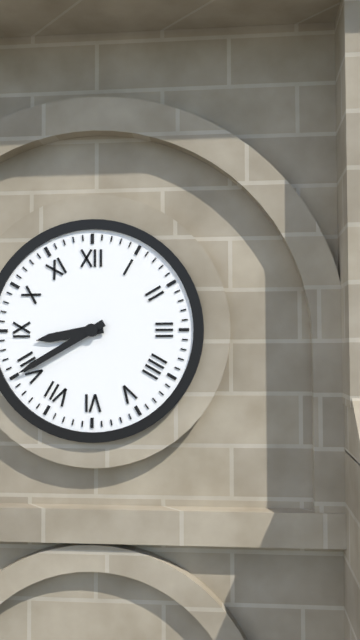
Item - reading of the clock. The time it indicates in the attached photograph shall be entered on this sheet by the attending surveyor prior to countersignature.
8:40
